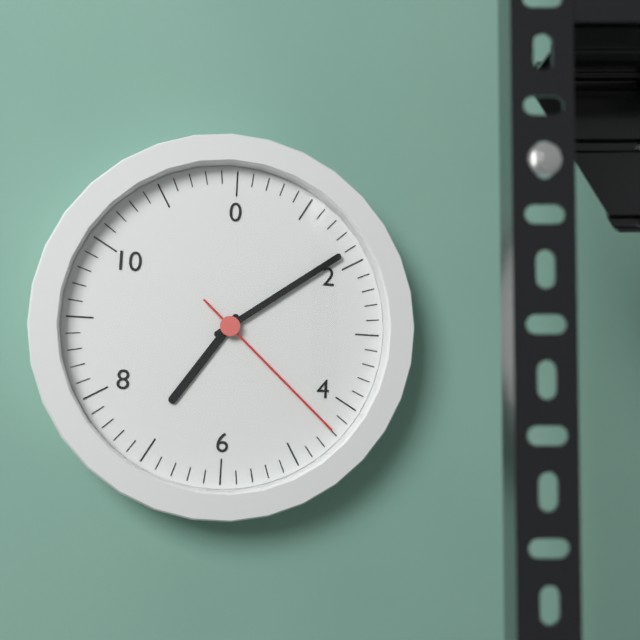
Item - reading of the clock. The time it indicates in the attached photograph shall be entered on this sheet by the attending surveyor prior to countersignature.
7:09:22
